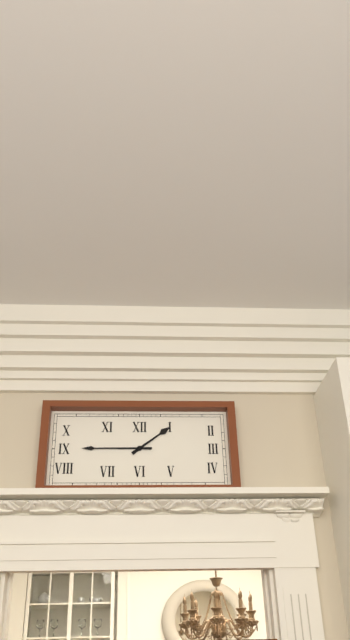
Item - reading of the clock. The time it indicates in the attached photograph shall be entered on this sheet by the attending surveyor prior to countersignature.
1:45
